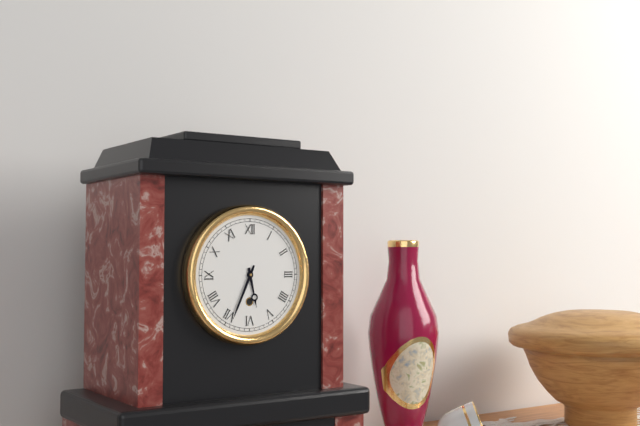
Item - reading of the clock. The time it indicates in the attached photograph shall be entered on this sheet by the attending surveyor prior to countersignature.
5:34
